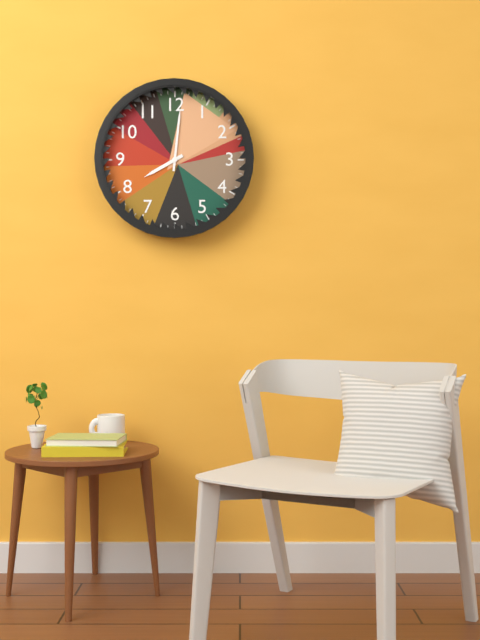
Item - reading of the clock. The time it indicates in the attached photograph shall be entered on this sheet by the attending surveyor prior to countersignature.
8:01
